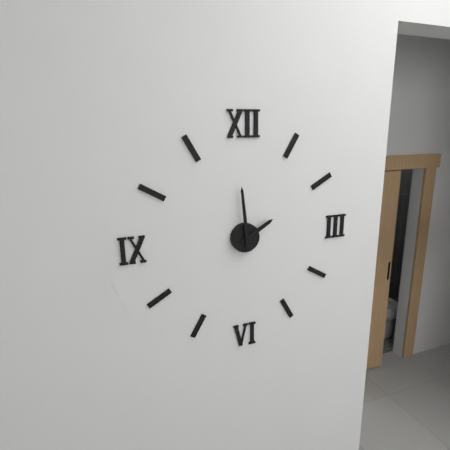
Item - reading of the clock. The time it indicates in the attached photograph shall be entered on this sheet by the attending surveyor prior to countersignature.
1:59
